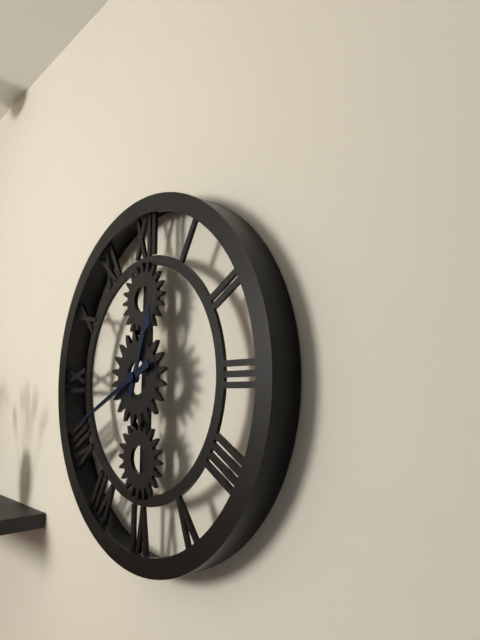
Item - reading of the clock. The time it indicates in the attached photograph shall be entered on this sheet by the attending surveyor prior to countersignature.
12:41
